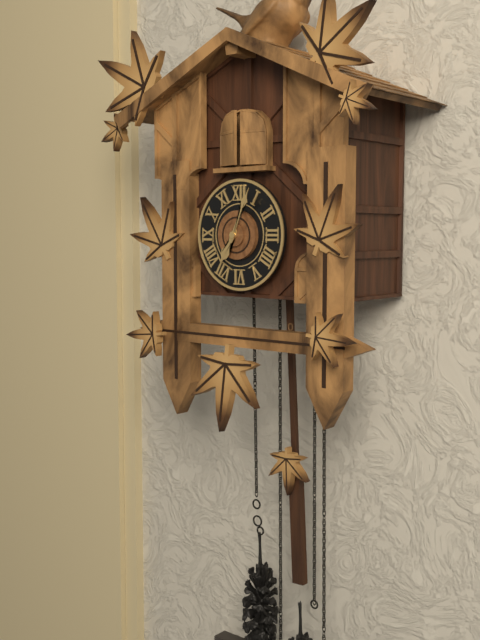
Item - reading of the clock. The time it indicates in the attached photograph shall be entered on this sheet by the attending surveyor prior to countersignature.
7:04
